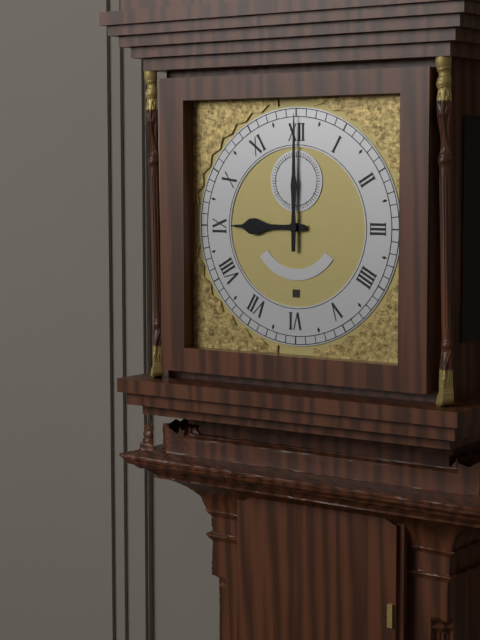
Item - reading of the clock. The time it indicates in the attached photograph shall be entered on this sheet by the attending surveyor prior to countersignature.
9:00
